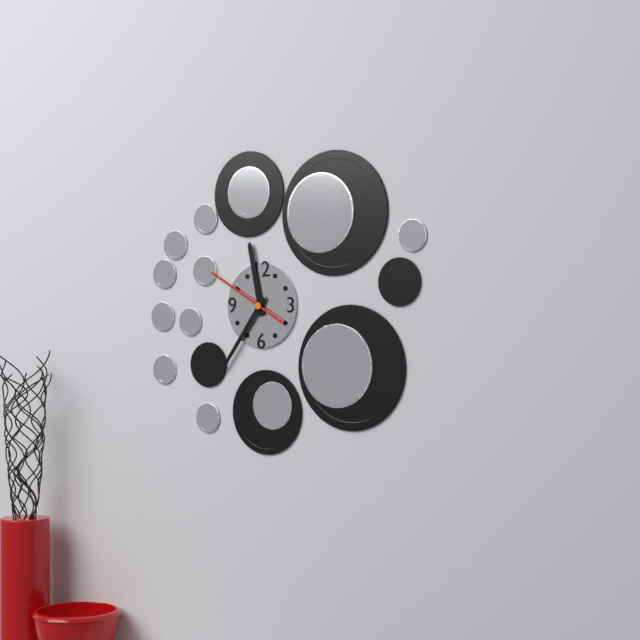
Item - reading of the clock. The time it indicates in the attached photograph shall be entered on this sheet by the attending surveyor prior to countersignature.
11:36:50
